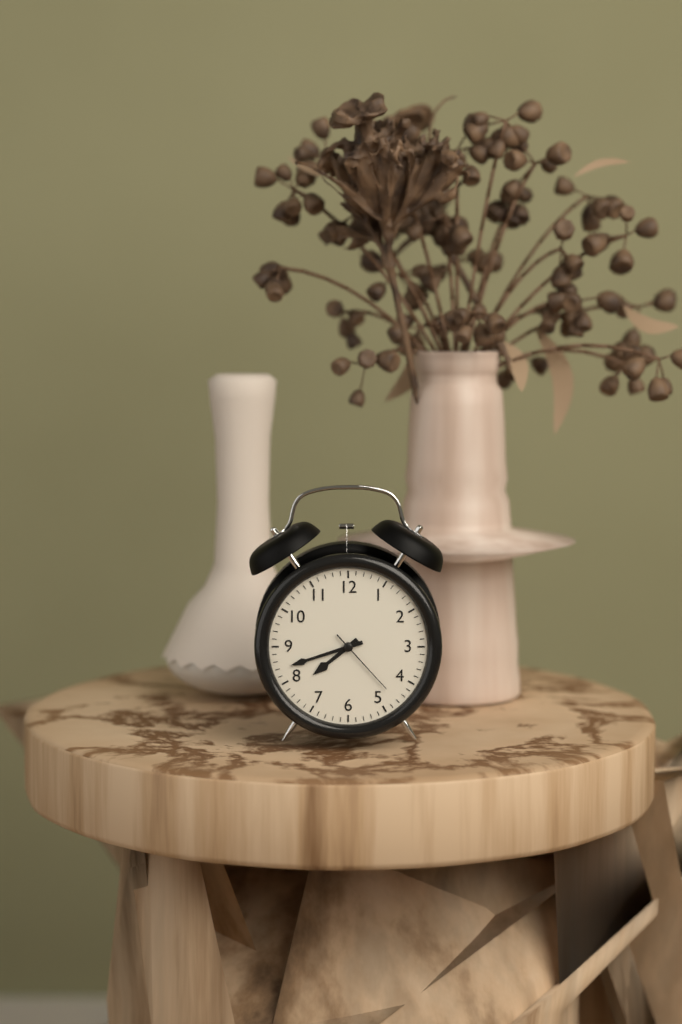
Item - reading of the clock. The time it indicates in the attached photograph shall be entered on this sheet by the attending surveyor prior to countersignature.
7:42:23
